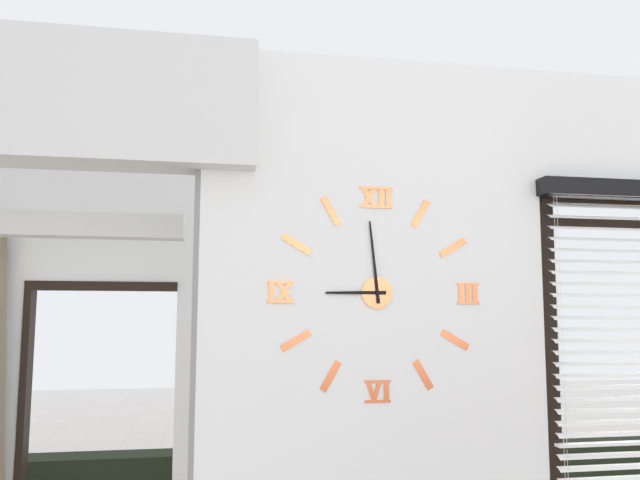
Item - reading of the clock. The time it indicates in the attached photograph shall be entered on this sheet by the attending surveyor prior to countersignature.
8:59
